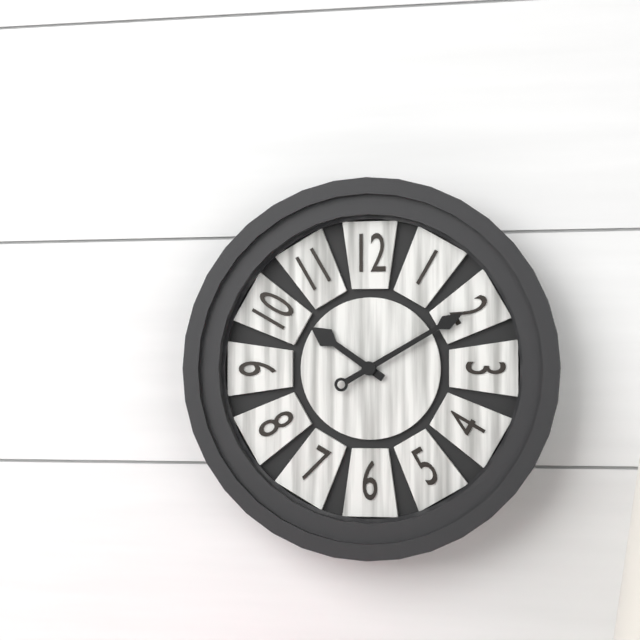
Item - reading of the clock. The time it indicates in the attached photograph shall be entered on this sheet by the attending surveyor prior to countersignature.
10:10
